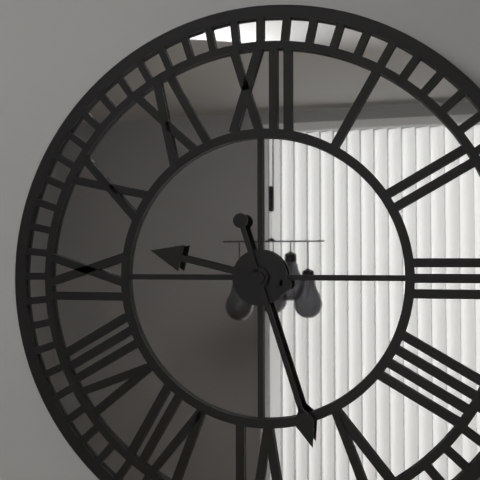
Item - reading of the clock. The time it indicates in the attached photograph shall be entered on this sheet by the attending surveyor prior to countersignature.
9:27
